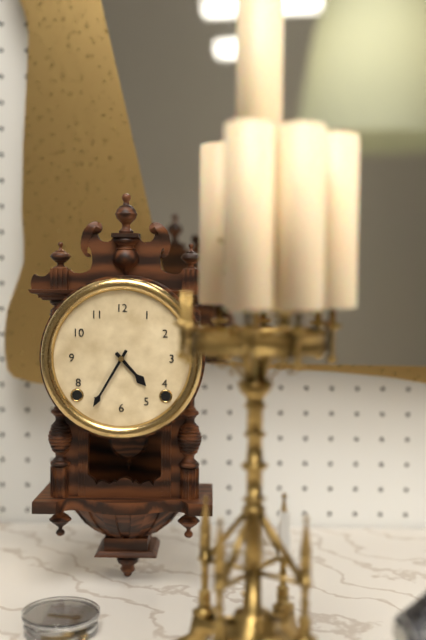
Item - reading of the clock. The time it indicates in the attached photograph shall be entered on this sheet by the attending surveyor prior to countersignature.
4:35
